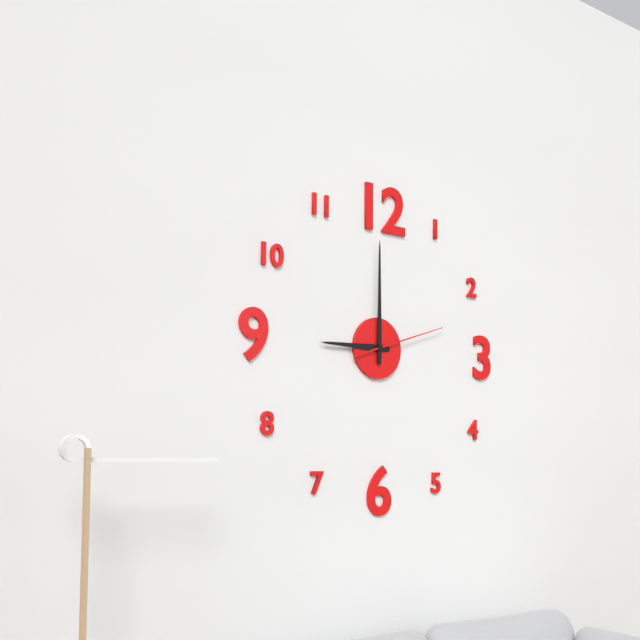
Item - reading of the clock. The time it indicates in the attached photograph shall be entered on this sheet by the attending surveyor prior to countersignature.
9:00:12
